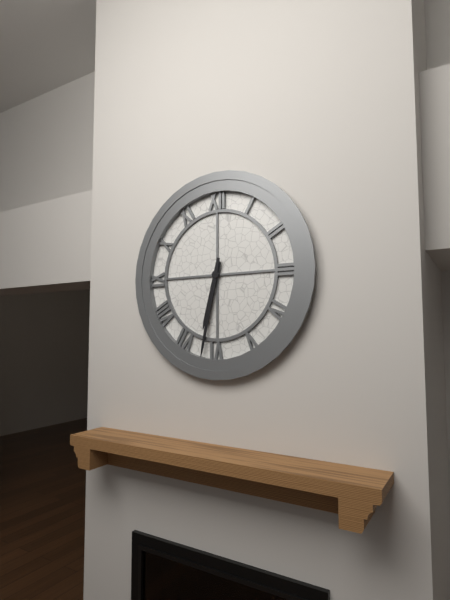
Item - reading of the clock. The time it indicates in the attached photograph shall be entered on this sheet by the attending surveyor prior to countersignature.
6:32
